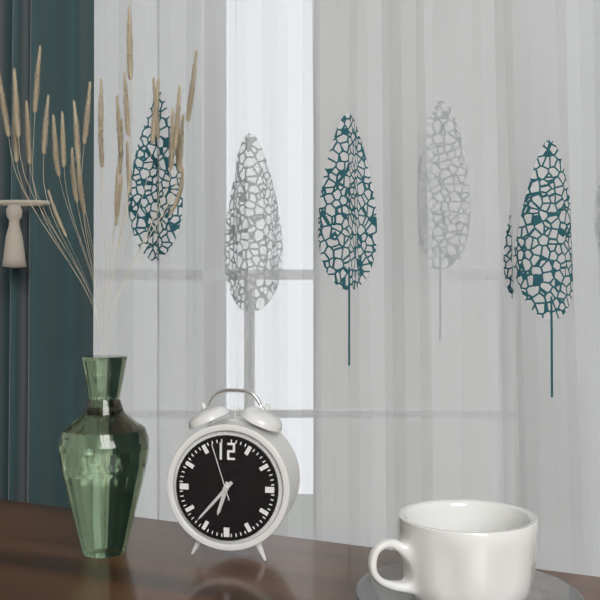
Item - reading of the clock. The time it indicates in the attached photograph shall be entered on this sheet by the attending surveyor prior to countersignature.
6:37:57
